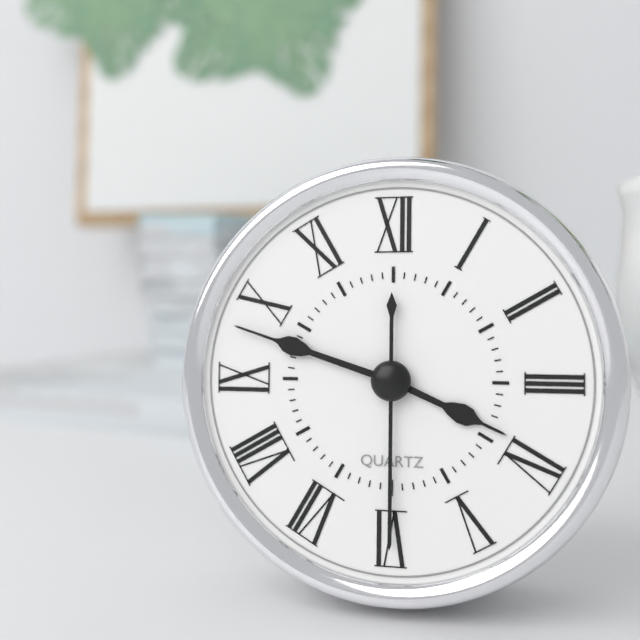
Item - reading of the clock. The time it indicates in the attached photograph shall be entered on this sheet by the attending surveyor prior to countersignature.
3:48:30
